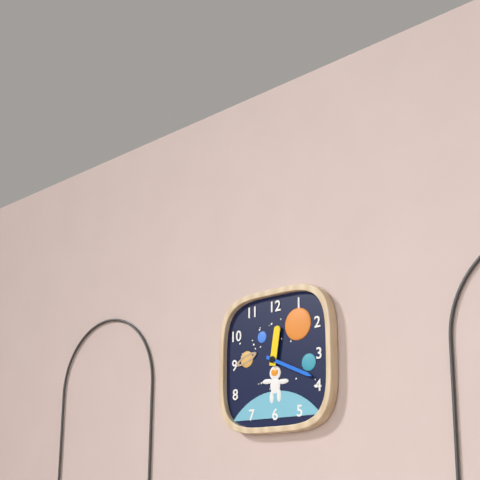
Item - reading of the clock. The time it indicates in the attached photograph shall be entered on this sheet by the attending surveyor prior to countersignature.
12:19
